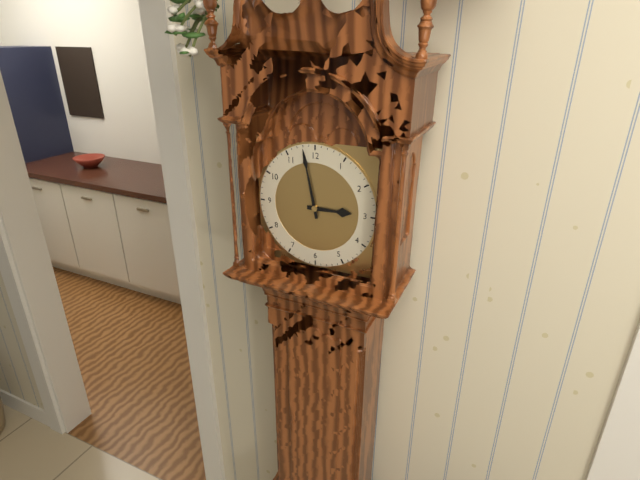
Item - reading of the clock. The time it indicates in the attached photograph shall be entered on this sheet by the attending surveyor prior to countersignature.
2:58
